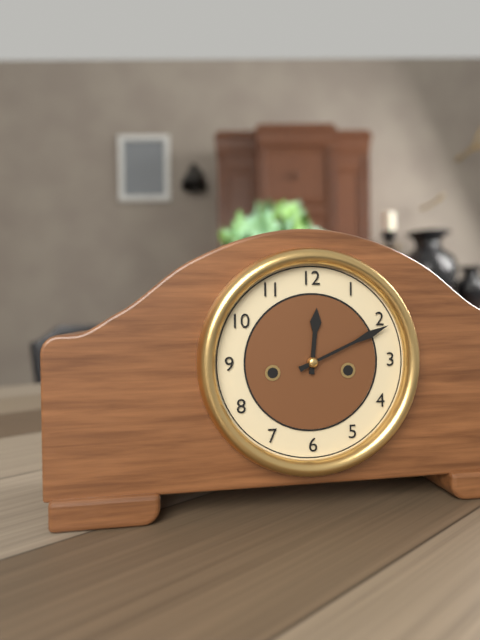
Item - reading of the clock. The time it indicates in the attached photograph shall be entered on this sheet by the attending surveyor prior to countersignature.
12:11
